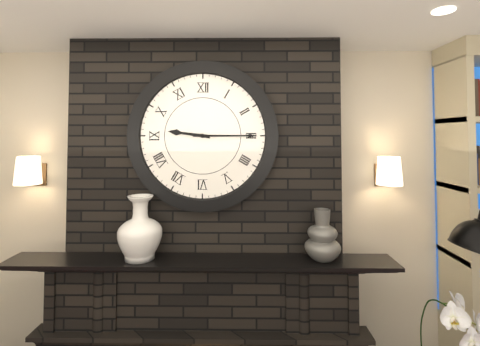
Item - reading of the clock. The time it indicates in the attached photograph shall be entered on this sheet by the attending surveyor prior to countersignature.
9:15
